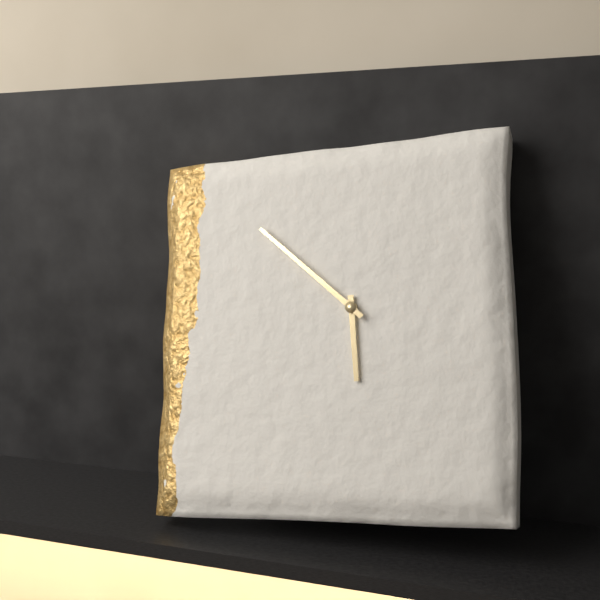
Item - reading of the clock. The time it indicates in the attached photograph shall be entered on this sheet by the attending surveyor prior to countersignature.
5:52
